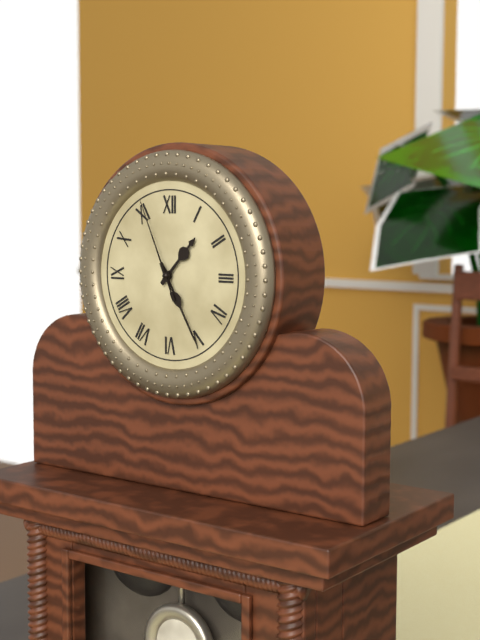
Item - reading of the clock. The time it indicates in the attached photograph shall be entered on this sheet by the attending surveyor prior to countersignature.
1:25:56
